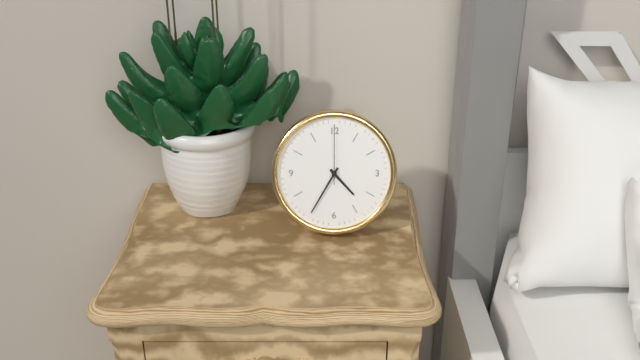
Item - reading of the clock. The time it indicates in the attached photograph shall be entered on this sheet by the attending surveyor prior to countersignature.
4:35:00
